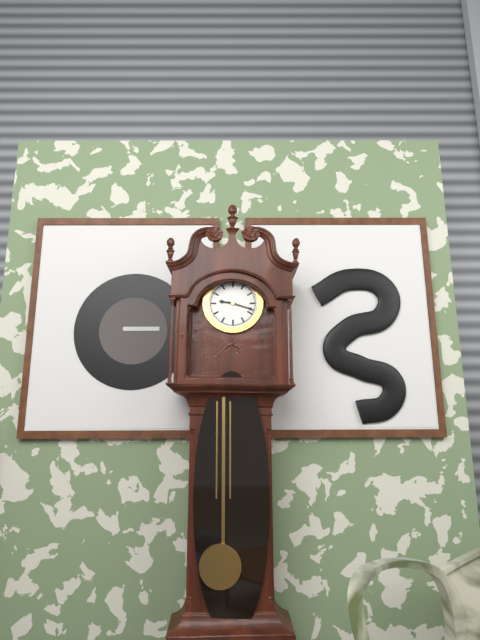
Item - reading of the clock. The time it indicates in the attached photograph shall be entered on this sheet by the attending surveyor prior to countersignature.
9:18
